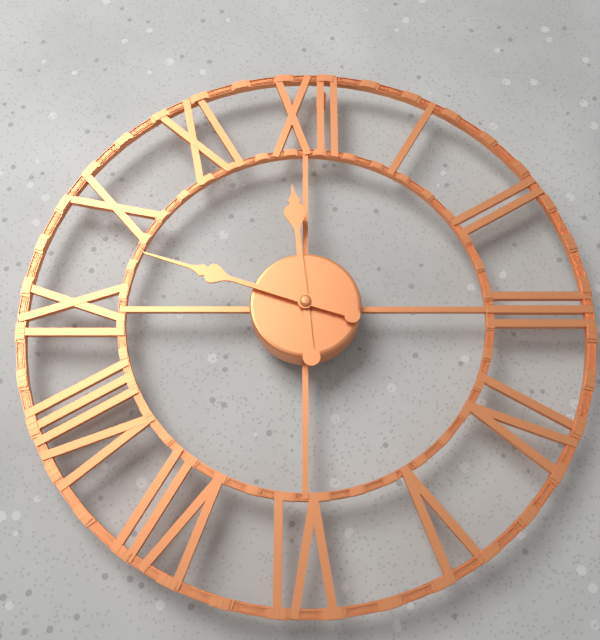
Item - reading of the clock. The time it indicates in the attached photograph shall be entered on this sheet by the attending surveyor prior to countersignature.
11:48
